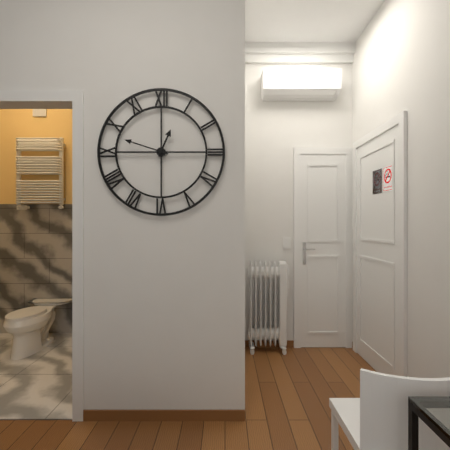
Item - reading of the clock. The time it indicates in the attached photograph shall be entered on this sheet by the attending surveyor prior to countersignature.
12:48
